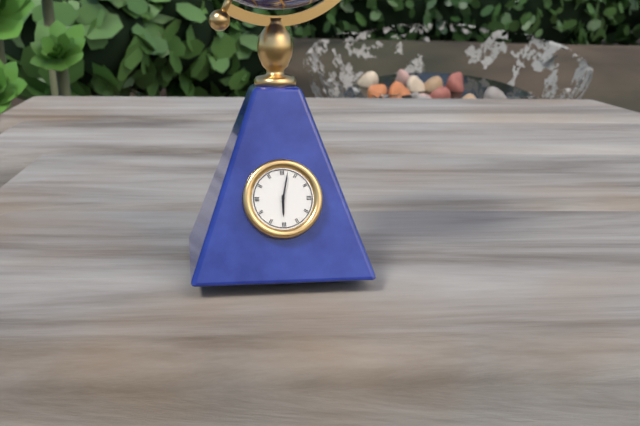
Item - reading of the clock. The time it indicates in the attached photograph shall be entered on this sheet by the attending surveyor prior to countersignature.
6:02
